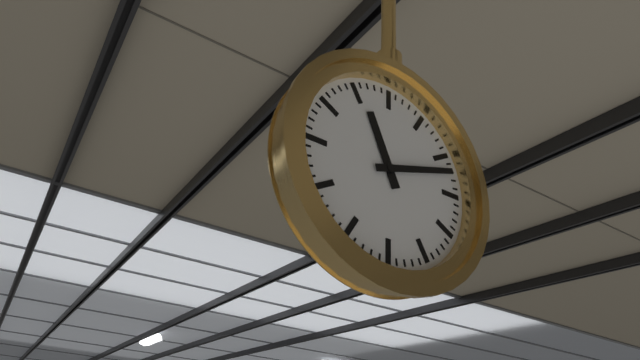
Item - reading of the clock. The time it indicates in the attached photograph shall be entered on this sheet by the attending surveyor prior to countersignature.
11:12
